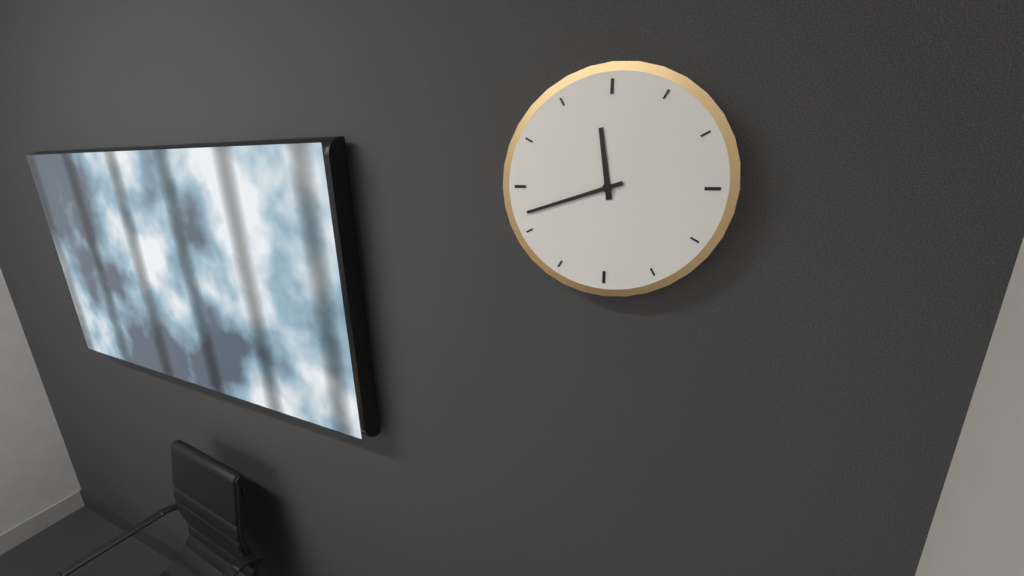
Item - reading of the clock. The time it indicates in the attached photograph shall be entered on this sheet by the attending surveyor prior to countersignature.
11:42
